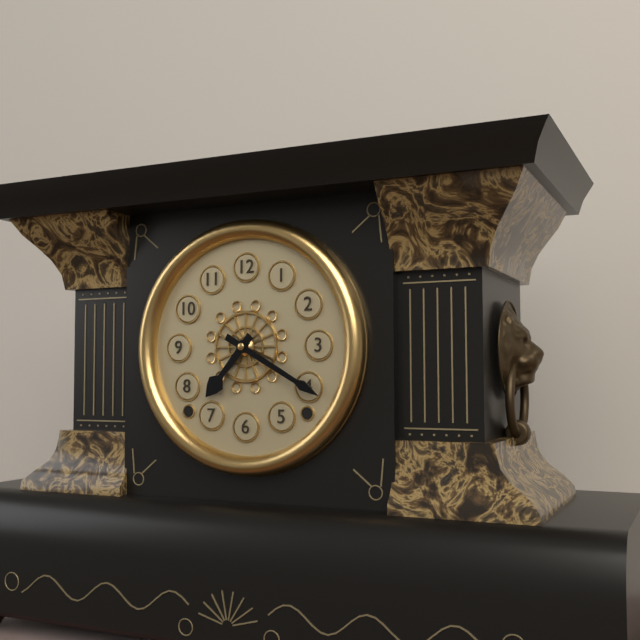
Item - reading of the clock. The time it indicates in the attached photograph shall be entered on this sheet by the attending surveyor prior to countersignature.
7:20
